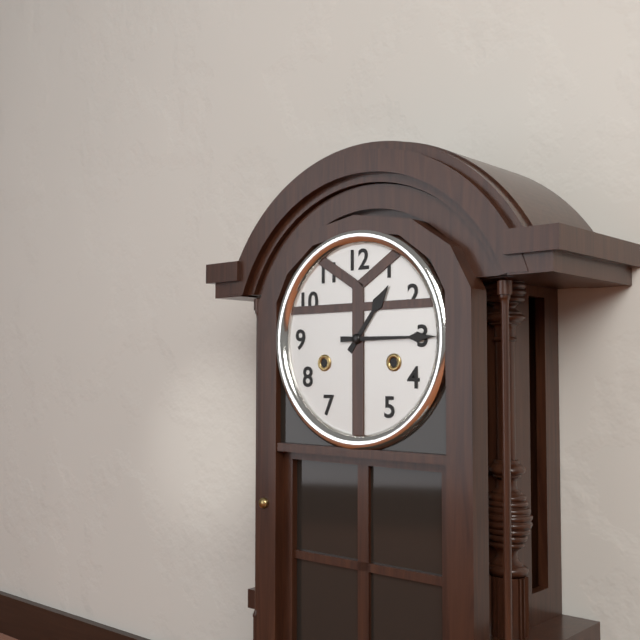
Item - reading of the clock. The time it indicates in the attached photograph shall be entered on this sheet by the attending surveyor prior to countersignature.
1:15
